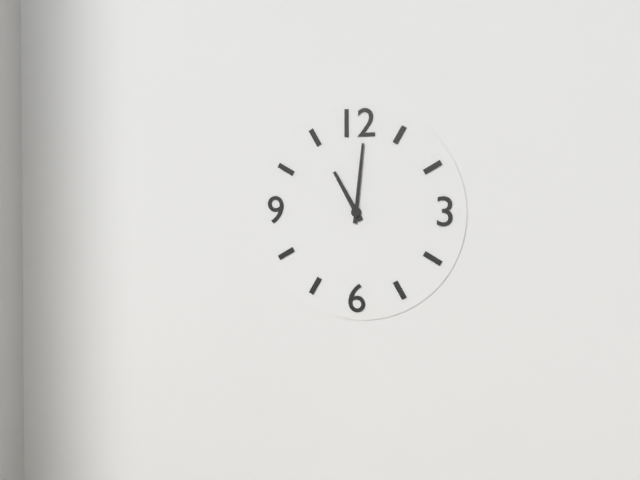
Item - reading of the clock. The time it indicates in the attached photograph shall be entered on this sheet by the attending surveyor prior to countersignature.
11:01
